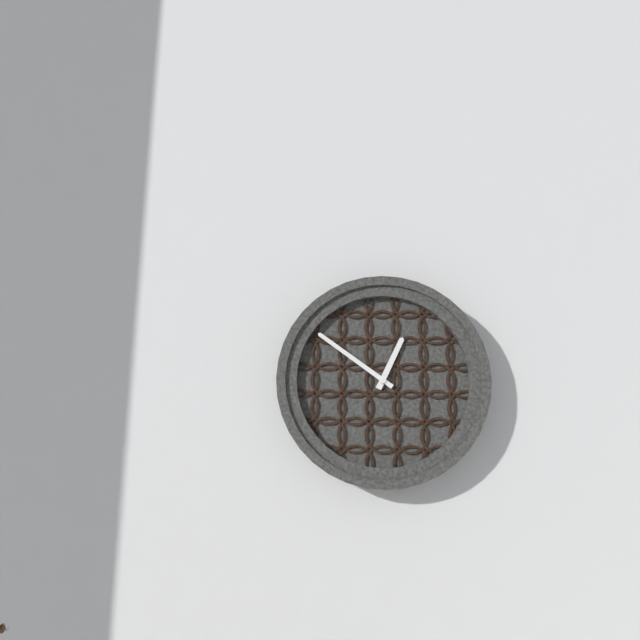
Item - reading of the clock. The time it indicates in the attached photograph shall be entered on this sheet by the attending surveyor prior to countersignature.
12:51
